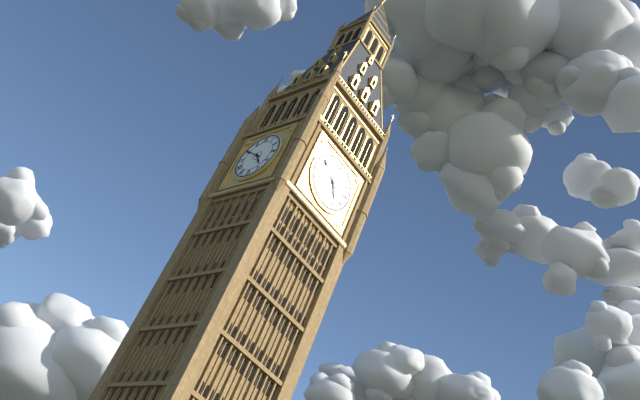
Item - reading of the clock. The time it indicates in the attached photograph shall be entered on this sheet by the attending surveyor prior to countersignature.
4:50
